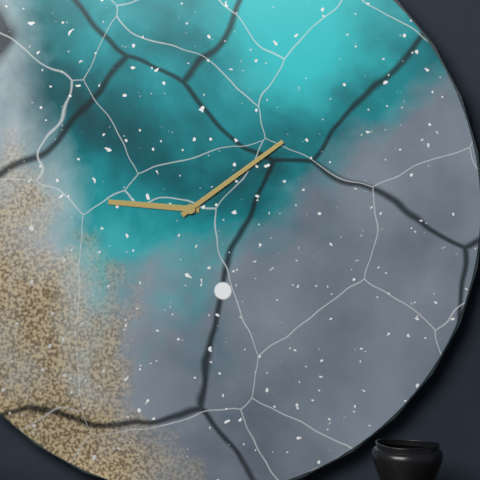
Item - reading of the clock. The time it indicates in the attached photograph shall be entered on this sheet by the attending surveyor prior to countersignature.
9:09
